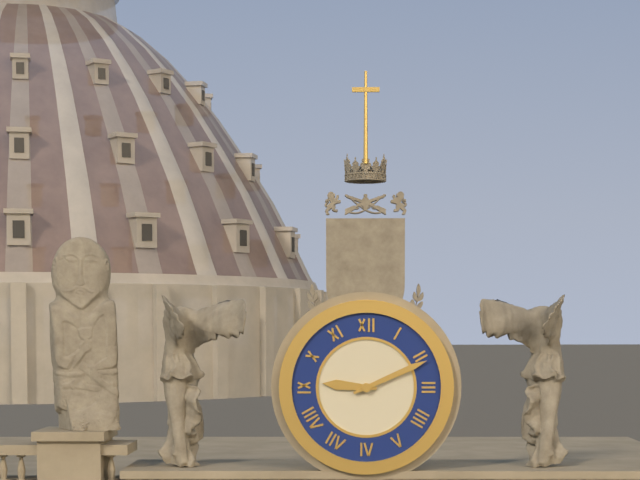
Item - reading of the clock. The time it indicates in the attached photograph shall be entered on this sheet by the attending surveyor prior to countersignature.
9:11
